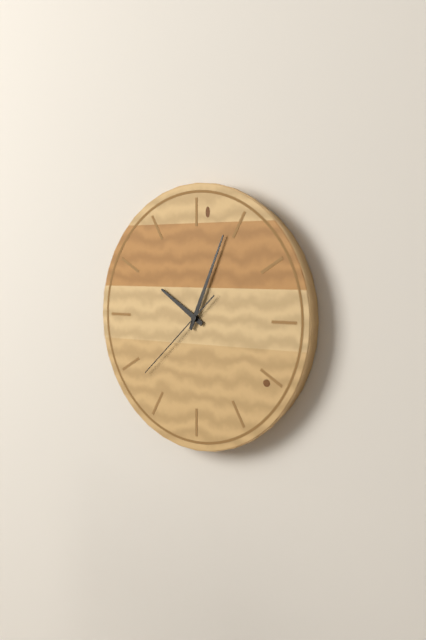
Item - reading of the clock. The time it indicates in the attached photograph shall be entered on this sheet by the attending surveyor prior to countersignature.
10:04:38
